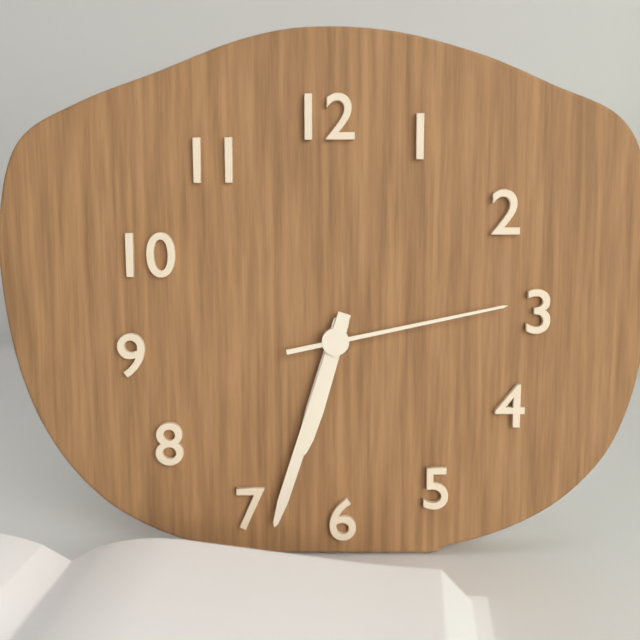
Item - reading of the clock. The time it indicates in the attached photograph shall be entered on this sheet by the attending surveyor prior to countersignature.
6:33:13
